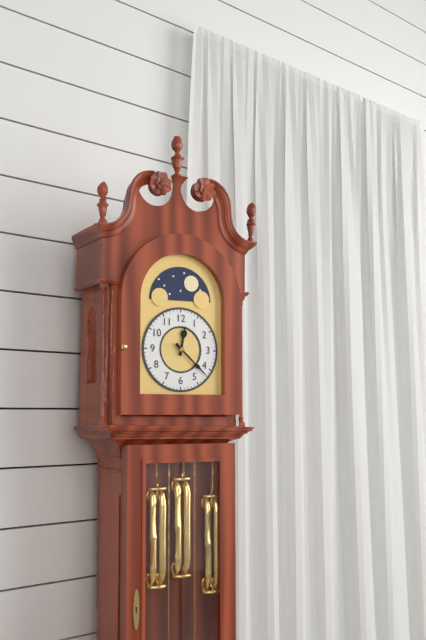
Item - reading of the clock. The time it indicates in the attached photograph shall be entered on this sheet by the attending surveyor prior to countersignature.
12:22
